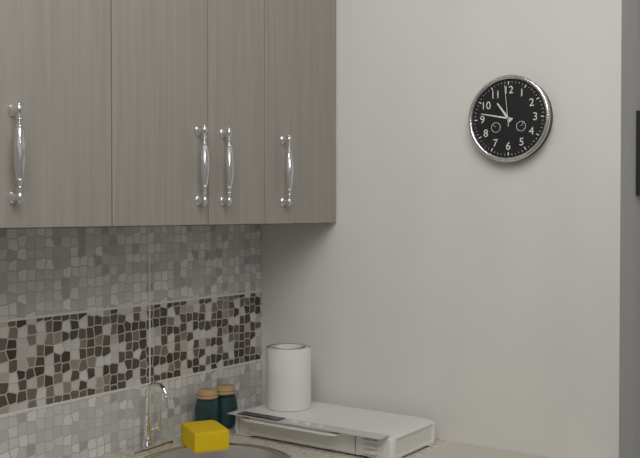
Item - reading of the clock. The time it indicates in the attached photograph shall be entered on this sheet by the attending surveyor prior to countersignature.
10:47
